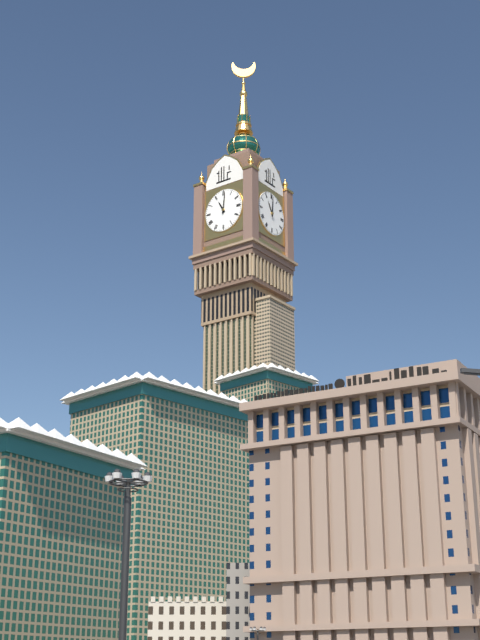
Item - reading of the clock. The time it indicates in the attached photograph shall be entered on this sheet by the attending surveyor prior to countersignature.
11:01
